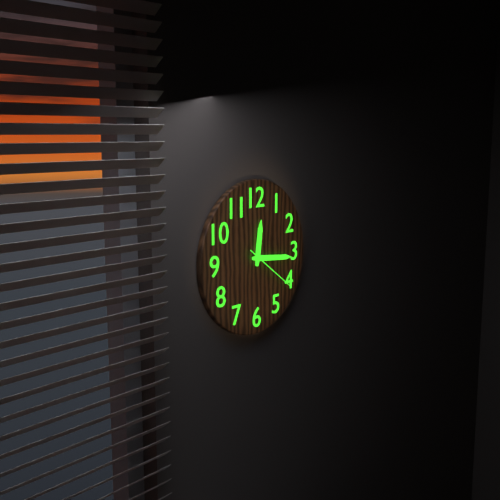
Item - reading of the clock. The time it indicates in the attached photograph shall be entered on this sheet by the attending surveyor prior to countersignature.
12:16:21
